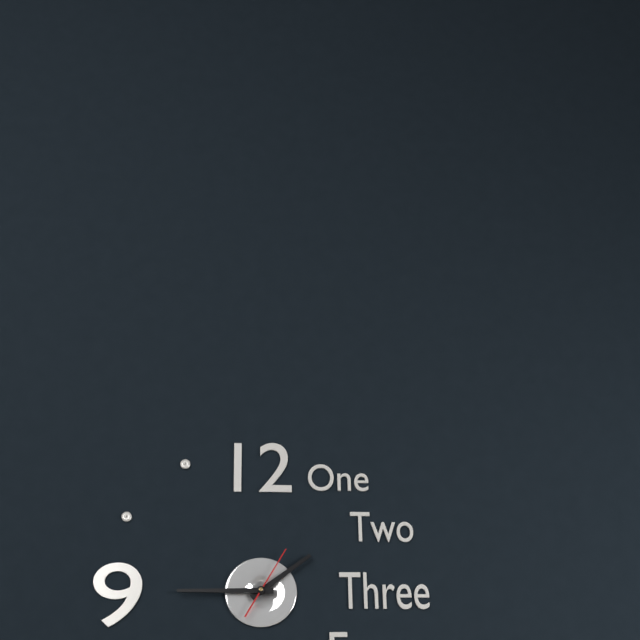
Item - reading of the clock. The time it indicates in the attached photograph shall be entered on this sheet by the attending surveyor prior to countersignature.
1:45:05
